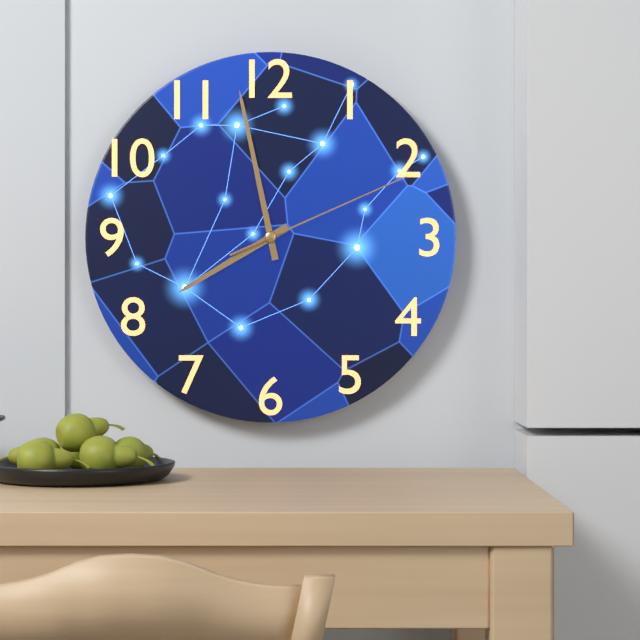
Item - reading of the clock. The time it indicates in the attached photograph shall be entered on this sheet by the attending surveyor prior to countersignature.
7:58:11
